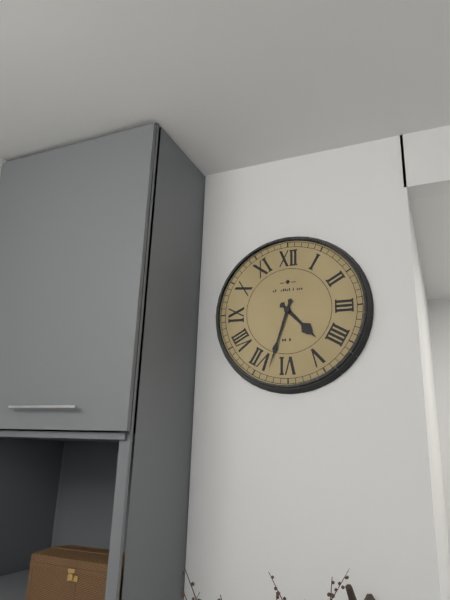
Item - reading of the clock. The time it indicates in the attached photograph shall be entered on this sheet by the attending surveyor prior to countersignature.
4:33
